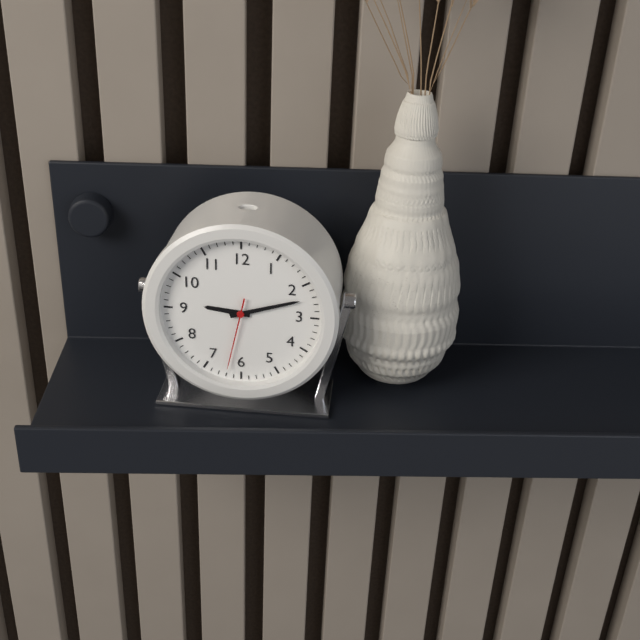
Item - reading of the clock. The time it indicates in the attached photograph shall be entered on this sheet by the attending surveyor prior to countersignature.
9:12:32
